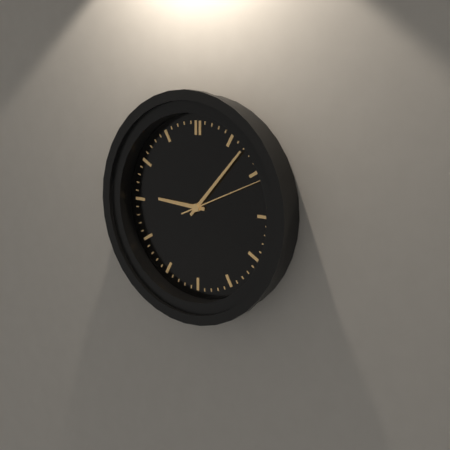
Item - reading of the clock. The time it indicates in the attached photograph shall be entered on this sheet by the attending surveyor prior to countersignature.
9:07:11
